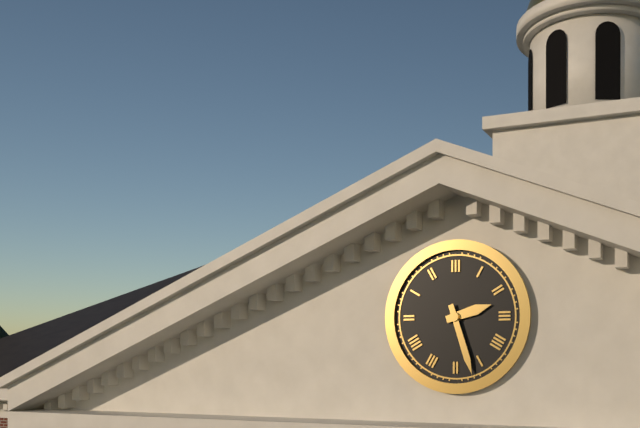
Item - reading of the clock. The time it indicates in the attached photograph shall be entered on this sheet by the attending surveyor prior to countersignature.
2:27
